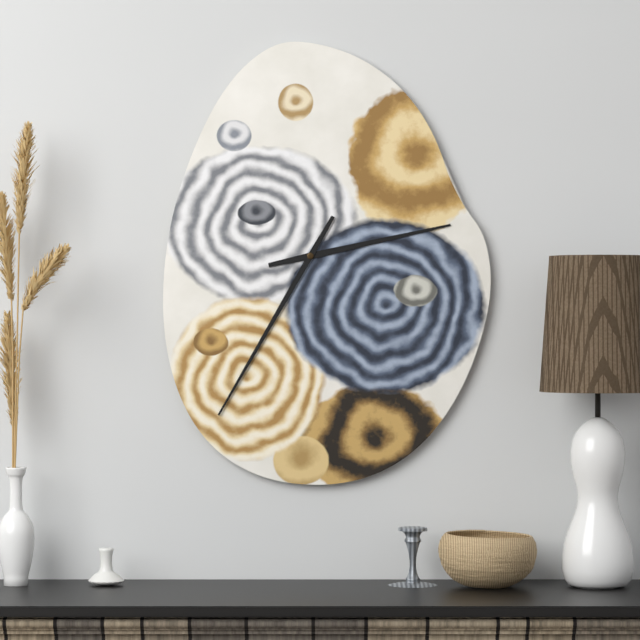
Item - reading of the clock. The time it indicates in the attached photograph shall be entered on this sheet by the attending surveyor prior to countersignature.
2:35
